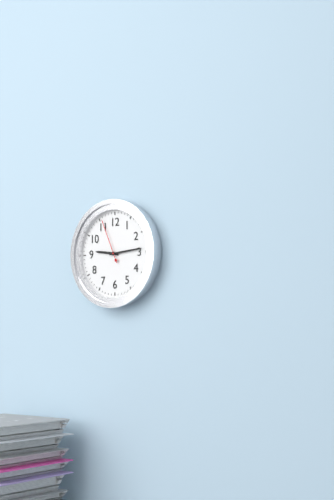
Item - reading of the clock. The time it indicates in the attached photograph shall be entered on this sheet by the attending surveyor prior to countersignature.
9:14
